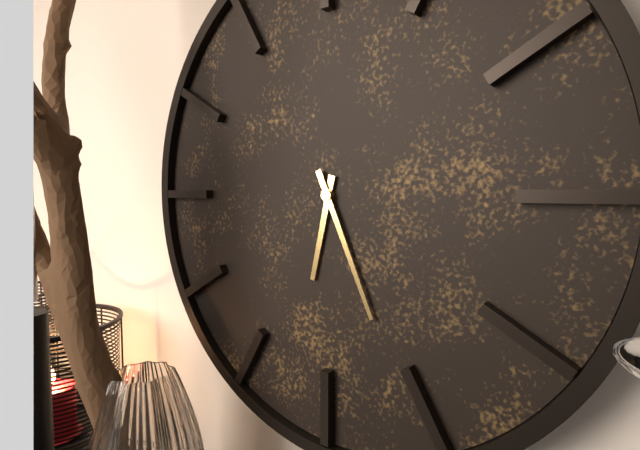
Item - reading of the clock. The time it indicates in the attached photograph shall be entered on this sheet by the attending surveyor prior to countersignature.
6:26
